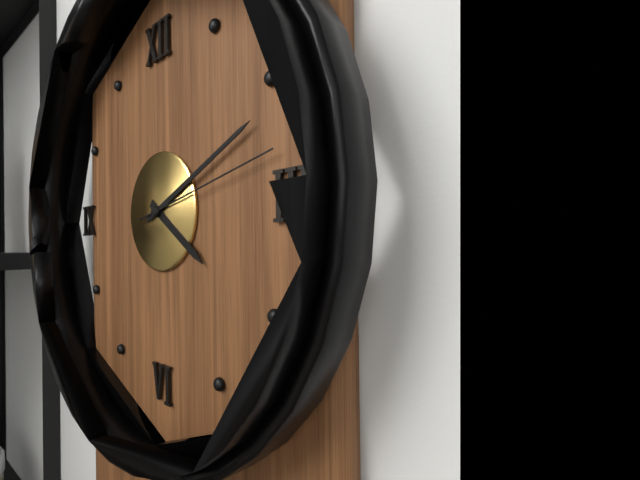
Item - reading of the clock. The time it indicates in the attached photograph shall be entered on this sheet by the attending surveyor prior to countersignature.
4:11:13
